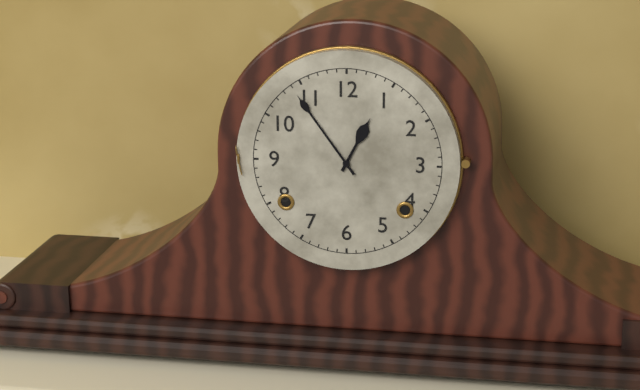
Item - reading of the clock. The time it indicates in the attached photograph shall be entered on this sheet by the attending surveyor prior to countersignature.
12:54
